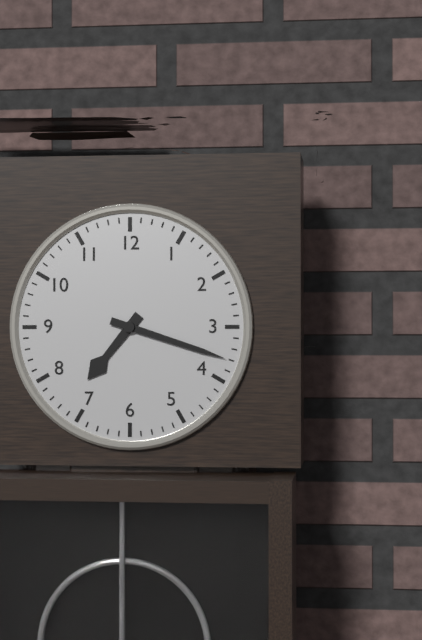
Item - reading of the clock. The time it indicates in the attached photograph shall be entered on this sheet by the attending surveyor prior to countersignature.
7:18
